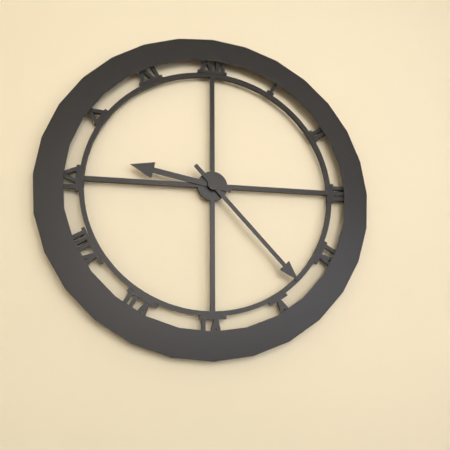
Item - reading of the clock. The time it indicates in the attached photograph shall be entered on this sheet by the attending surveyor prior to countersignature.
9:23
